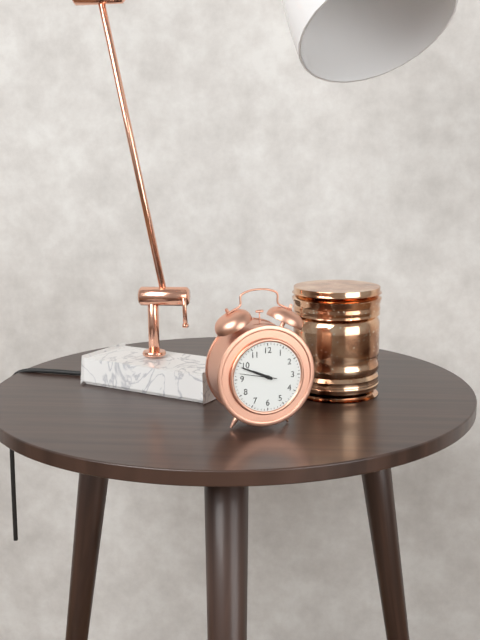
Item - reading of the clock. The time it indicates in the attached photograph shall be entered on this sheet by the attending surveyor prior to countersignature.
9:49
